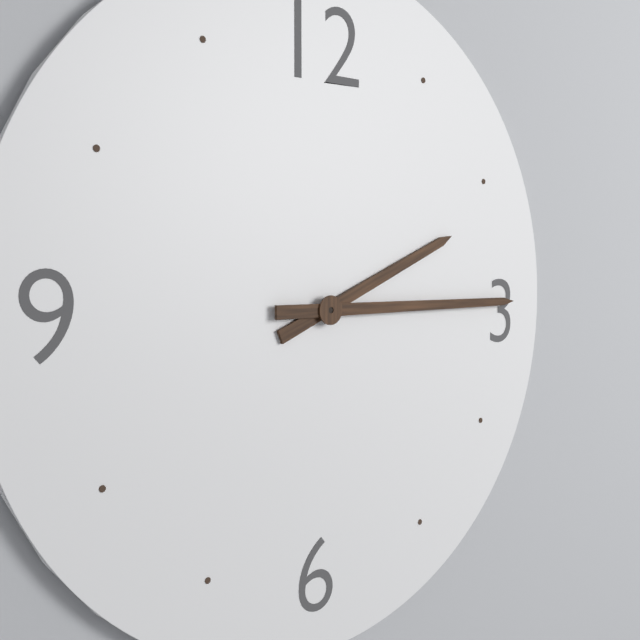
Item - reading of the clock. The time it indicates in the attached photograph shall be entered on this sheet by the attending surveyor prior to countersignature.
2:15
